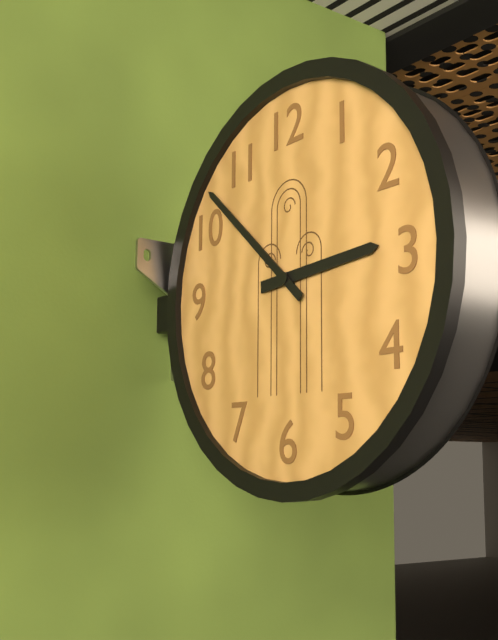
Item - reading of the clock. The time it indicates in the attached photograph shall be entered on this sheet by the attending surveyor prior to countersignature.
2:52
